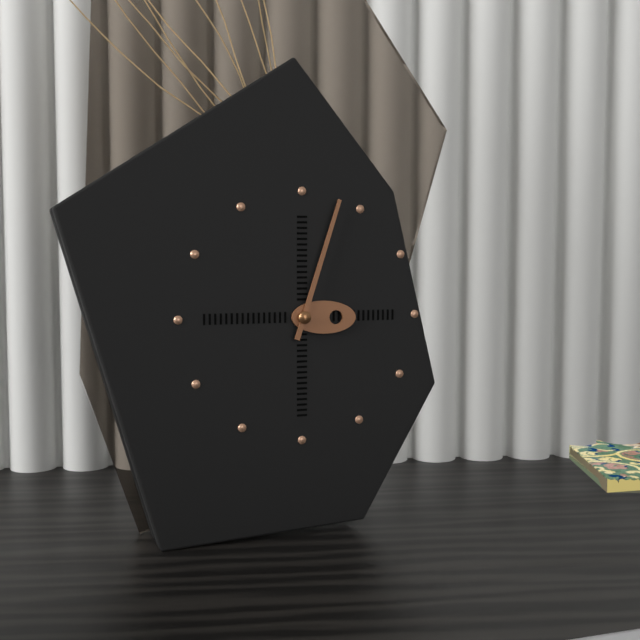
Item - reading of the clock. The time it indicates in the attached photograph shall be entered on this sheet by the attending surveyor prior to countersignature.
3:03
